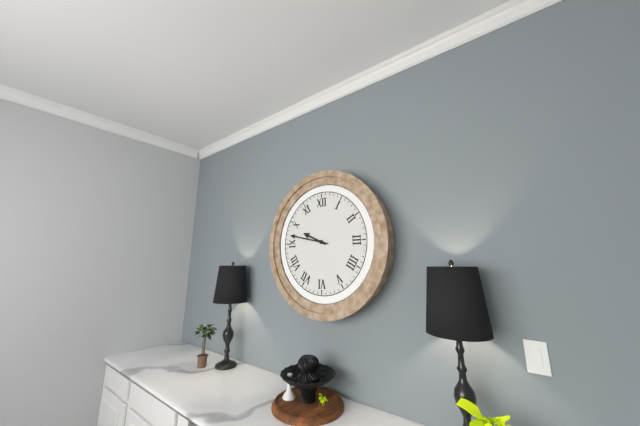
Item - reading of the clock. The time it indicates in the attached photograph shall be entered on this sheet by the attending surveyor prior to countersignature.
9:47
